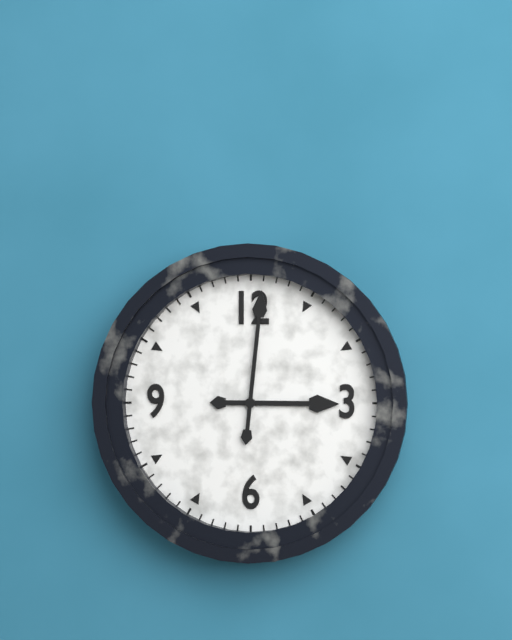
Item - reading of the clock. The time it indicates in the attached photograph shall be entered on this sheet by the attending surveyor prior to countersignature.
3:01
